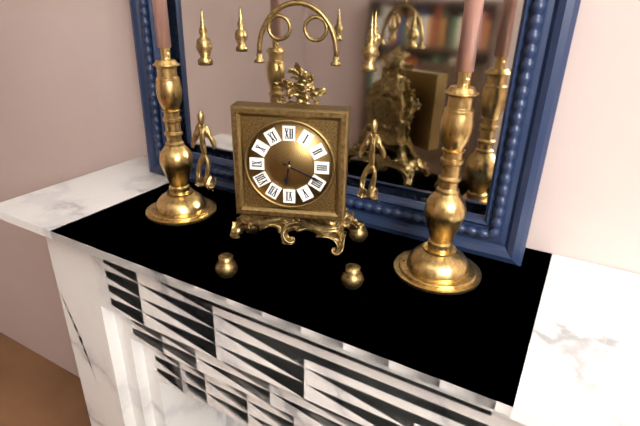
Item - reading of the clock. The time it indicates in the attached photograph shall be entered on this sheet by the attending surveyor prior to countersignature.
6:19
